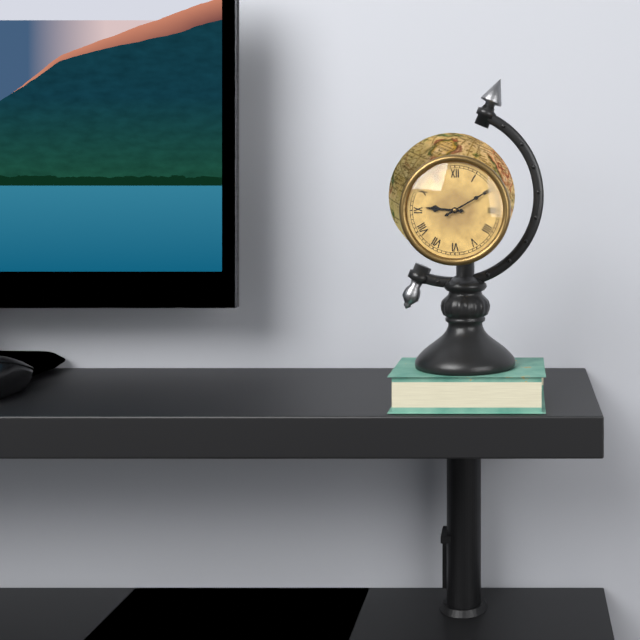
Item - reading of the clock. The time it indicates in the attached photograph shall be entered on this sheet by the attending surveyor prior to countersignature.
9:10
